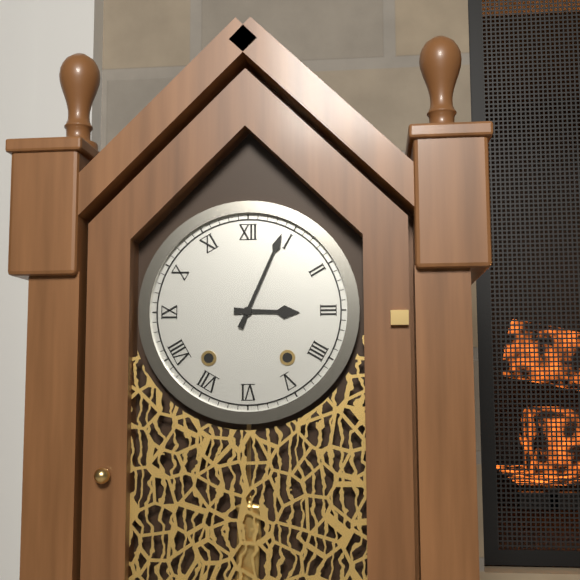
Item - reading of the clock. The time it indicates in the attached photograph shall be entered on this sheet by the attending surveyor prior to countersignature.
3:04
